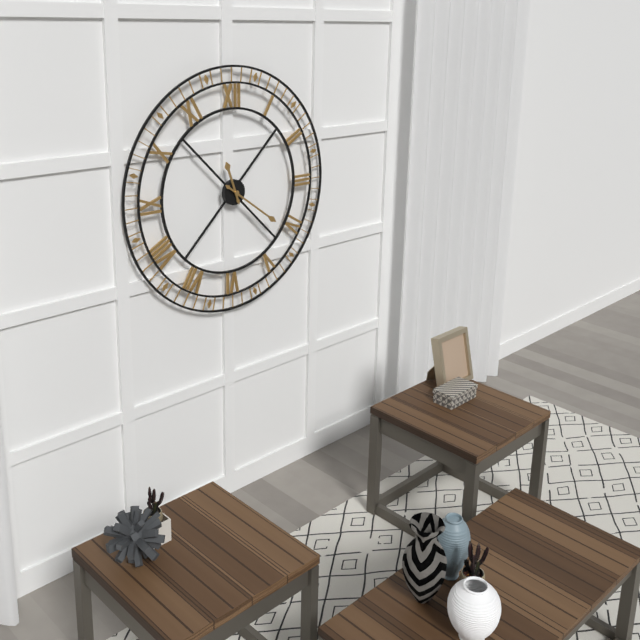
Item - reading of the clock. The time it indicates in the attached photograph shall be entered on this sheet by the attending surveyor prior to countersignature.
11:21
